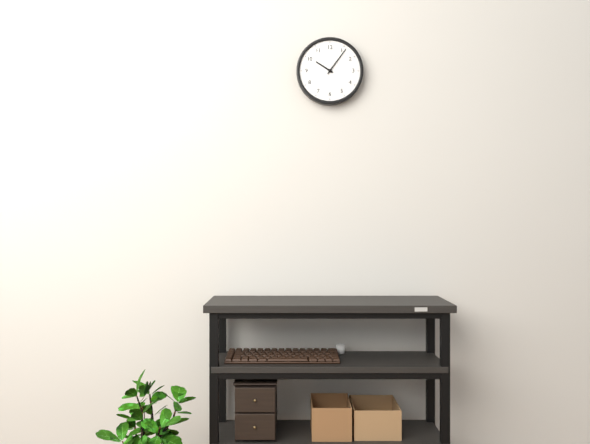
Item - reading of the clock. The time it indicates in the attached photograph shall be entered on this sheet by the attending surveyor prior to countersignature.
10:06
